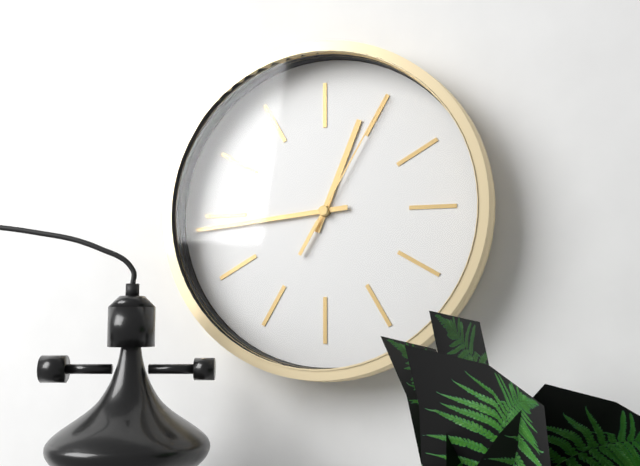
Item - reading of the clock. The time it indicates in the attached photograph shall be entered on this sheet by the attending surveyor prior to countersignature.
12:44:05
